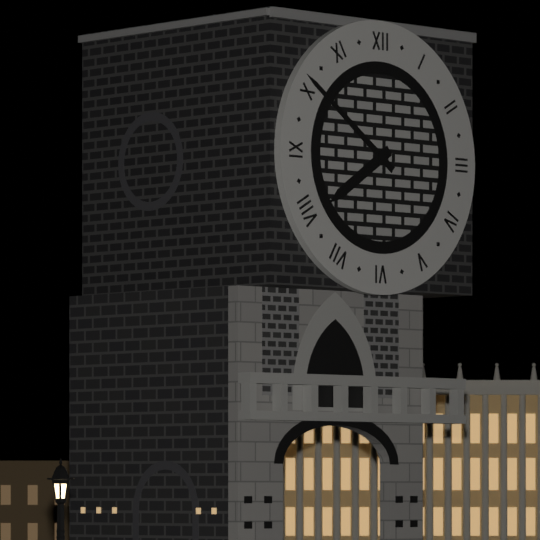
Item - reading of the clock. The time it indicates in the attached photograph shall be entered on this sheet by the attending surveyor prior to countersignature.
7:51
